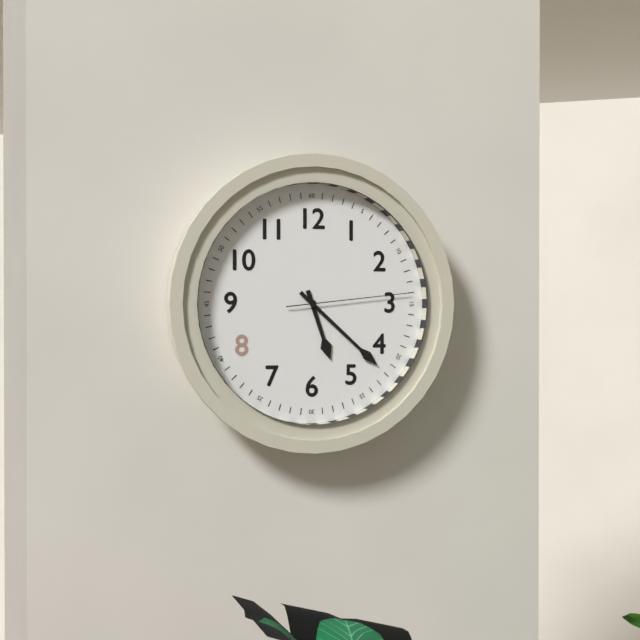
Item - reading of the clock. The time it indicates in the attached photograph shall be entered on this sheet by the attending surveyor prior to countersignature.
5:22:14
